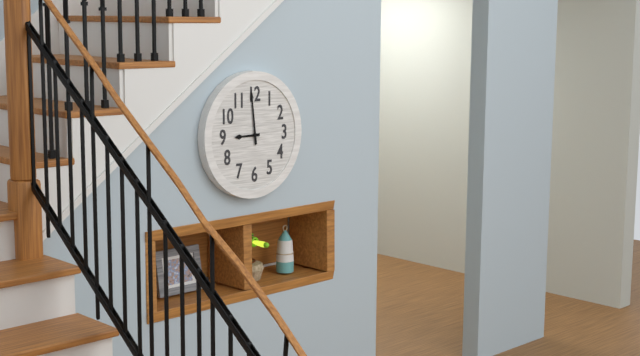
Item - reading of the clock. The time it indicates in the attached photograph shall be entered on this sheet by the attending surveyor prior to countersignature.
8:59
